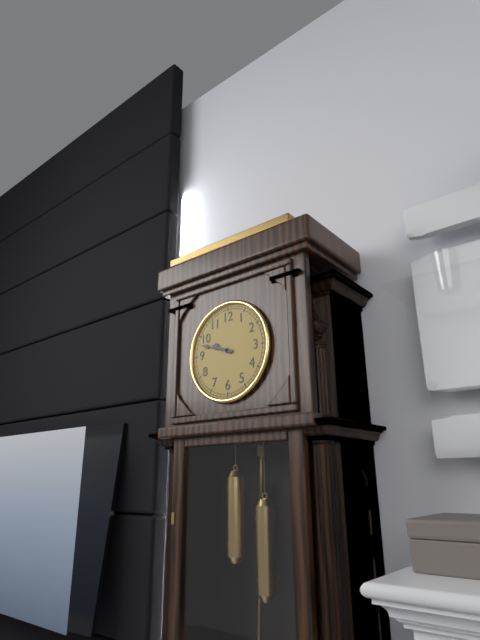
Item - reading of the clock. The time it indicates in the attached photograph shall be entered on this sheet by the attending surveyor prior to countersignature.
9:48
